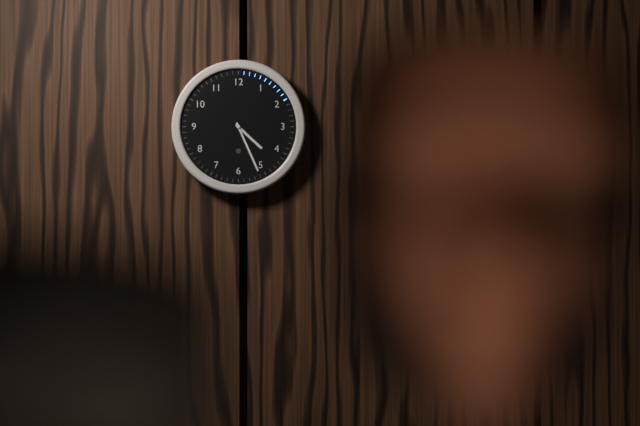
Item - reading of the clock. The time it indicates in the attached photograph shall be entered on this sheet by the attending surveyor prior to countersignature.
4:26
